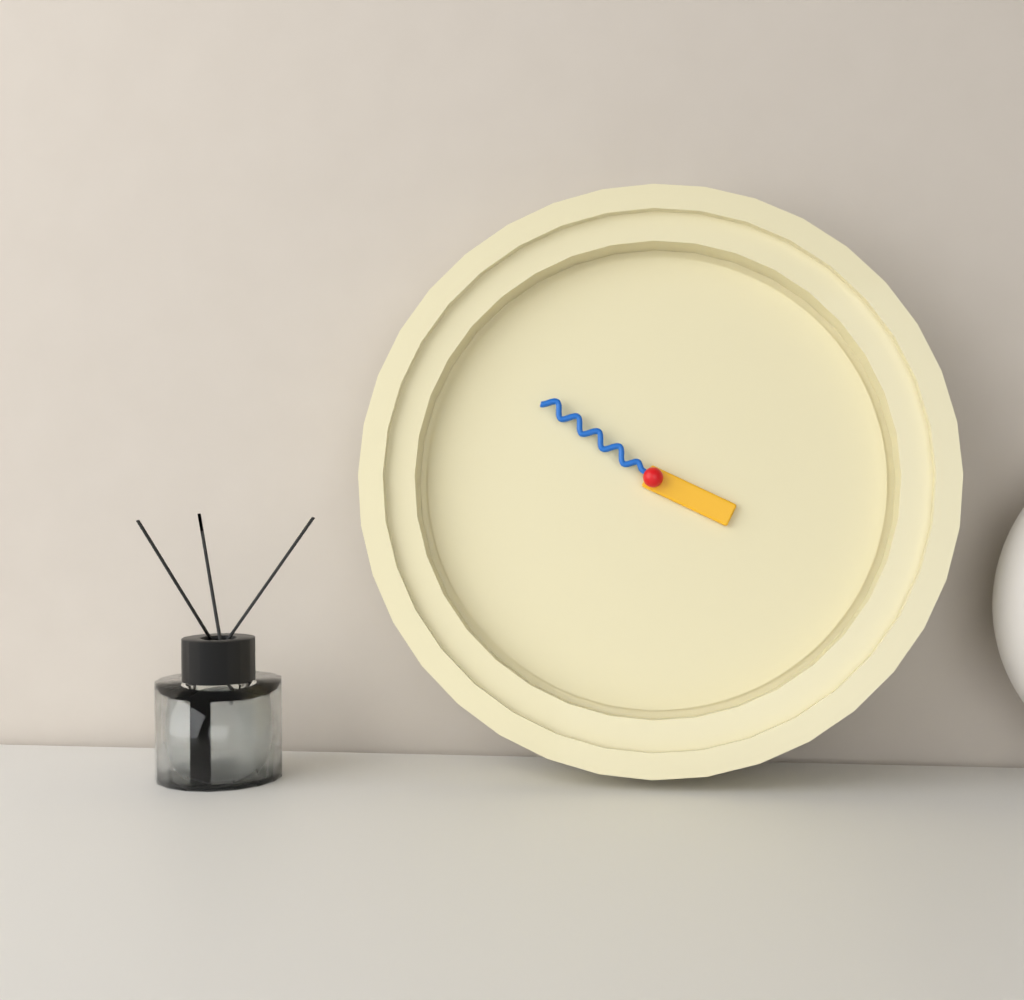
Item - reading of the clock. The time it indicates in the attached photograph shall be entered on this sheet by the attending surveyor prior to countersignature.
3:51
